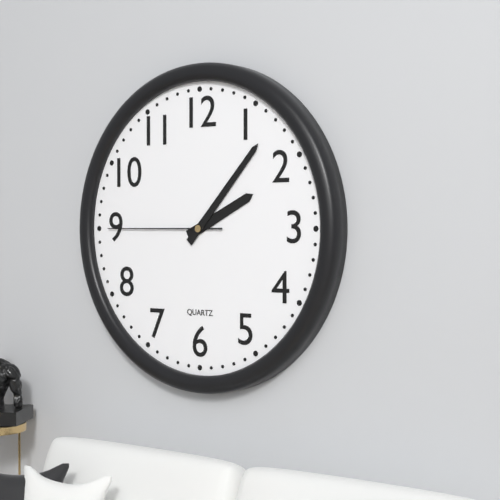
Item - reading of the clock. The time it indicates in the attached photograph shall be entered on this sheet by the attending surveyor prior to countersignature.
2:07:45
